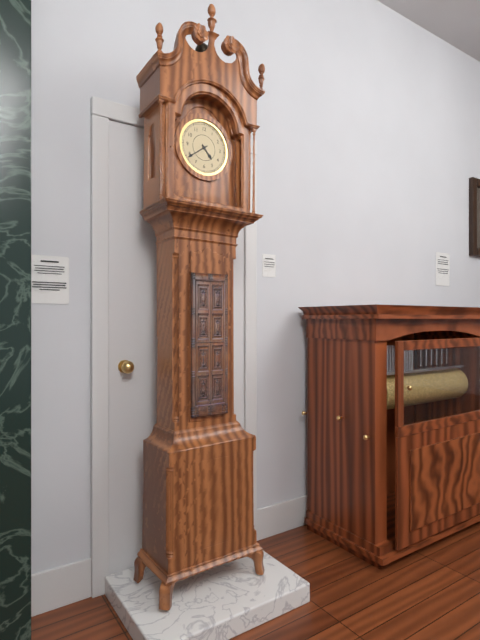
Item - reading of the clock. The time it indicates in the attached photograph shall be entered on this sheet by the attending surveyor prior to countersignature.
4:39
